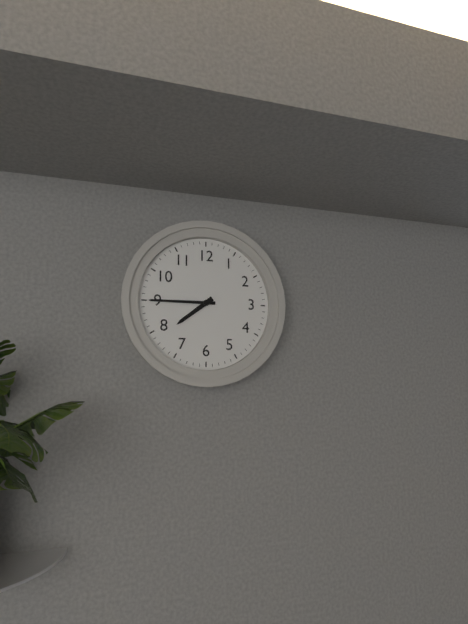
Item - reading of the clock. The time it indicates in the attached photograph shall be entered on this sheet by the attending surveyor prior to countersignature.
7:45
